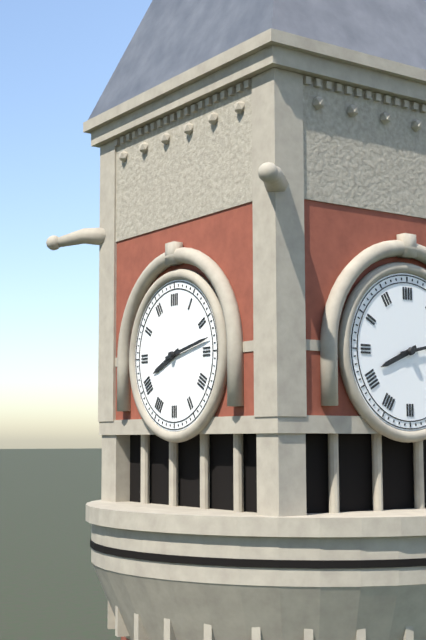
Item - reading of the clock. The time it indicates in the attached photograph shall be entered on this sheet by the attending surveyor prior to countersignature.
8:13
